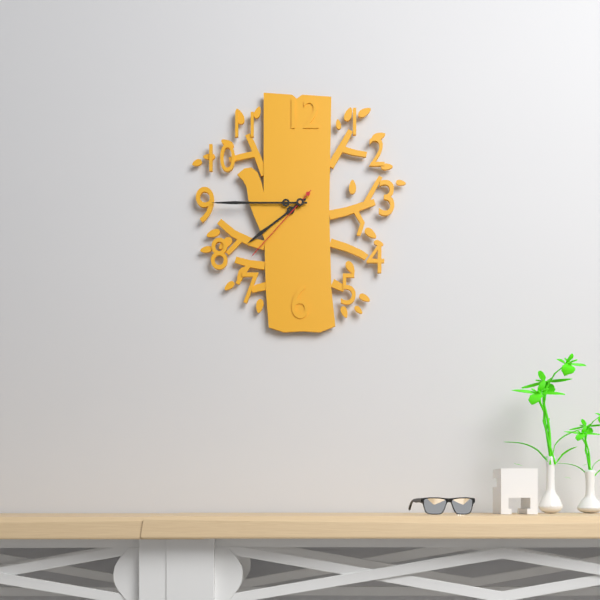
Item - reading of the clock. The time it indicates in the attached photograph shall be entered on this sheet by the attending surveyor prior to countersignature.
7:45:37
